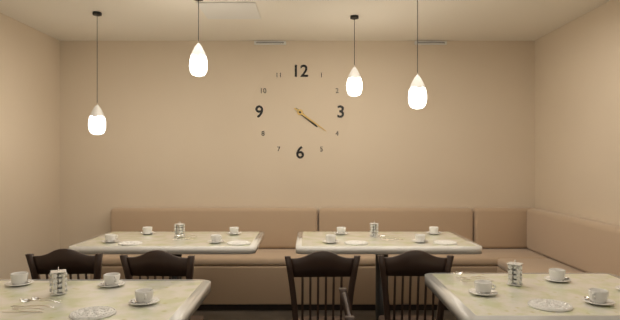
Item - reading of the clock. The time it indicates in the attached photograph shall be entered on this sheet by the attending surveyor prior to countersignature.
4:21
